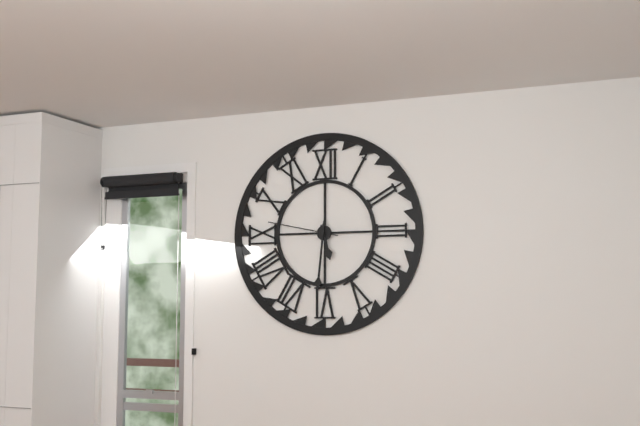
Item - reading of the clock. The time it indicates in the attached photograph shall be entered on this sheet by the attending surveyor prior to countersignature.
5:31:47
